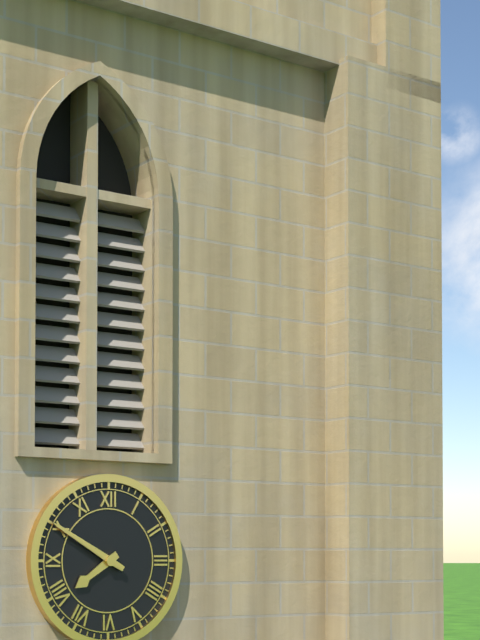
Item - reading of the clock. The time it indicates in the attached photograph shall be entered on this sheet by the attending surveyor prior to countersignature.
7:50
